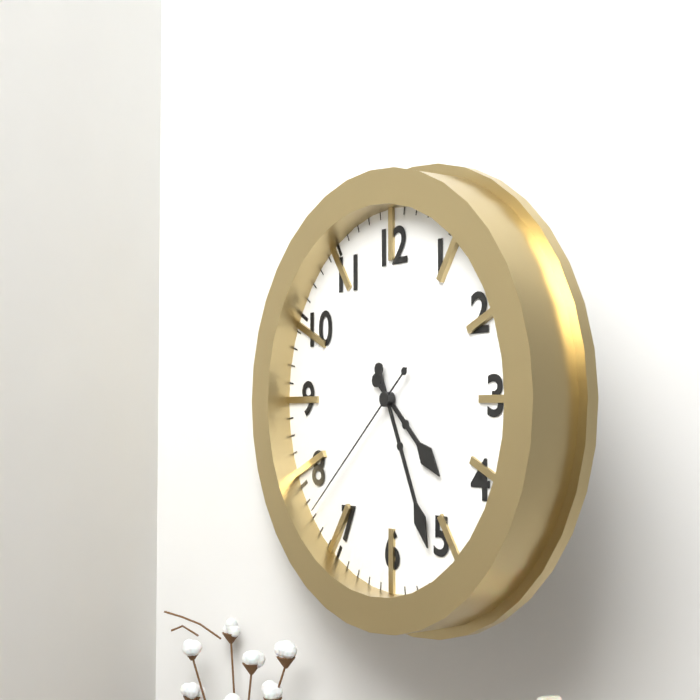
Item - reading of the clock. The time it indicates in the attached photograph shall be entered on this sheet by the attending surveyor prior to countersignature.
4:26:38
